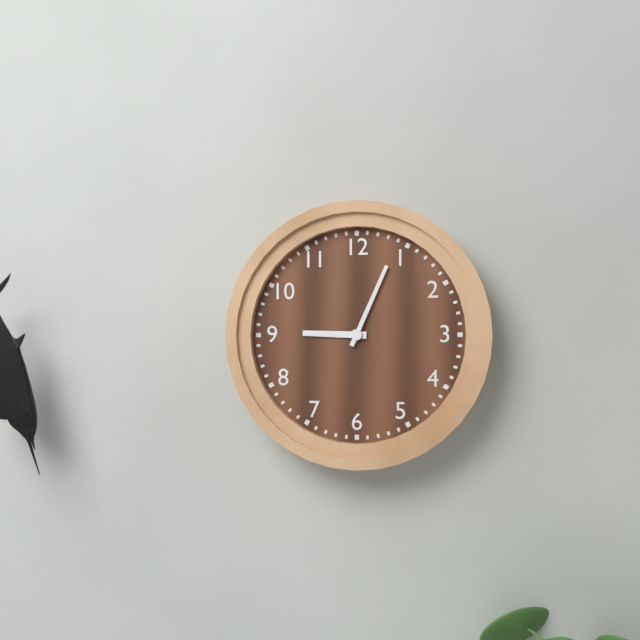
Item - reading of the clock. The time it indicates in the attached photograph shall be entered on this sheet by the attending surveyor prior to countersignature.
9:04
